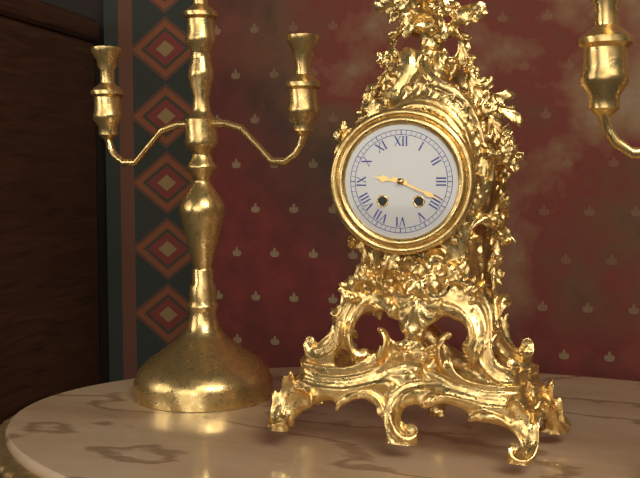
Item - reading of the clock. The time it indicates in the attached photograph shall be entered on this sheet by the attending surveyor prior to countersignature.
9:19
